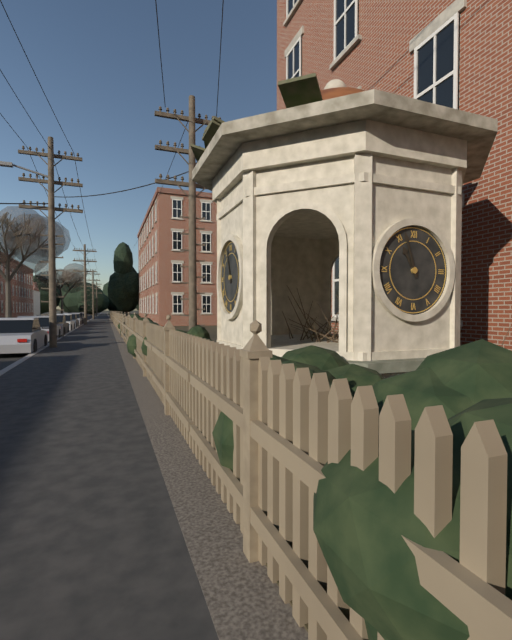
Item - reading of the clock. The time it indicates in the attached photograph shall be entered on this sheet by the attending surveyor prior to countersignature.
10:57
